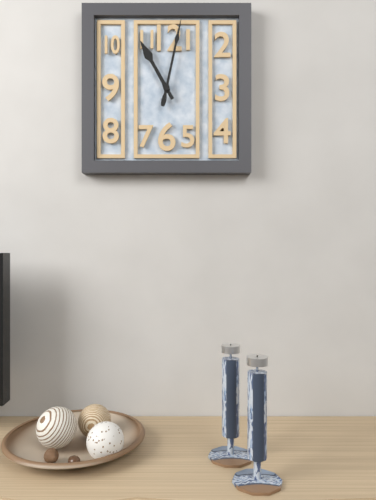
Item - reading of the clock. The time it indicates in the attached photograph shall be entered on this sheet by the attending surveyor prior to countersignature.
11:02
